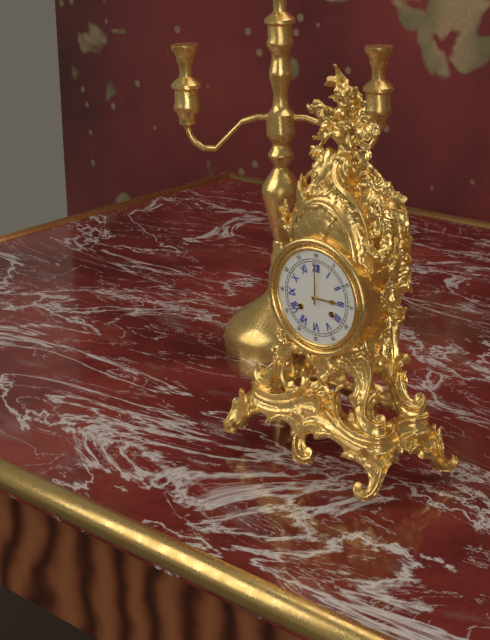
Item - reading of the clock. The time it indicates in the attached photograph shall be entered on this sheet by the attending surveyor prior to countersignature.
3:00
